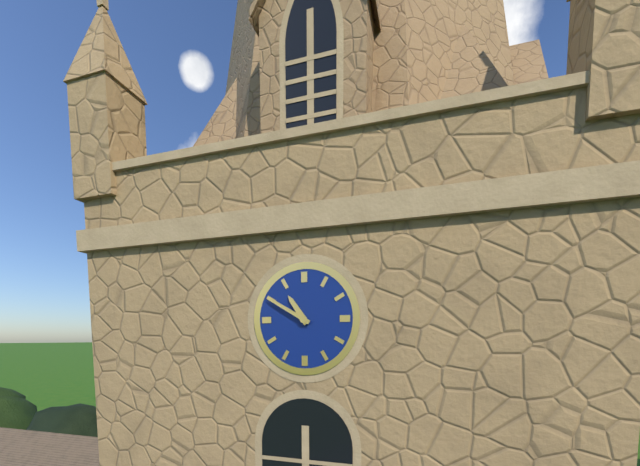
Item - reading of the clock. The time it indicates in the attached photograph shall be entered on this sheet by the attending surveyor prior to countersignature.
10:50
